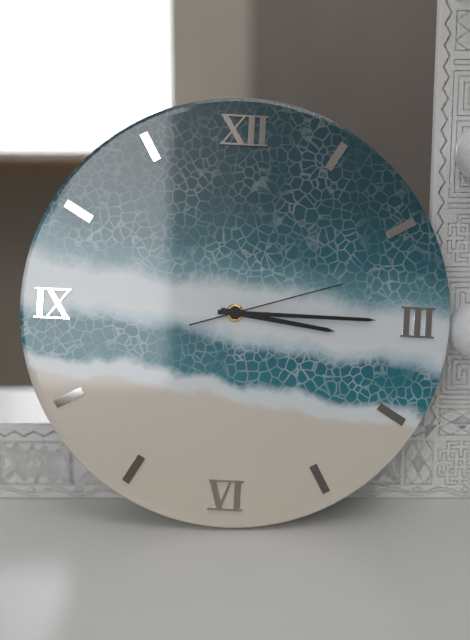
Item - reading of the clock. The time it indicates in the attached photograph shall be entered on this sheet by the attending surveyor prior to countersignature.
3:15:12
